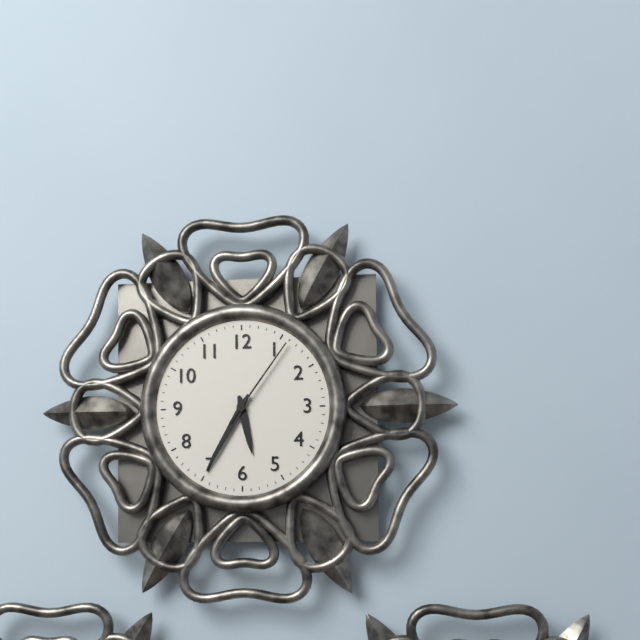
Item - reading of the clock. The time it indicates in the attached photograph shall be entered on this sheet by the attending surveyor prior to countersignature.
5:35:06
